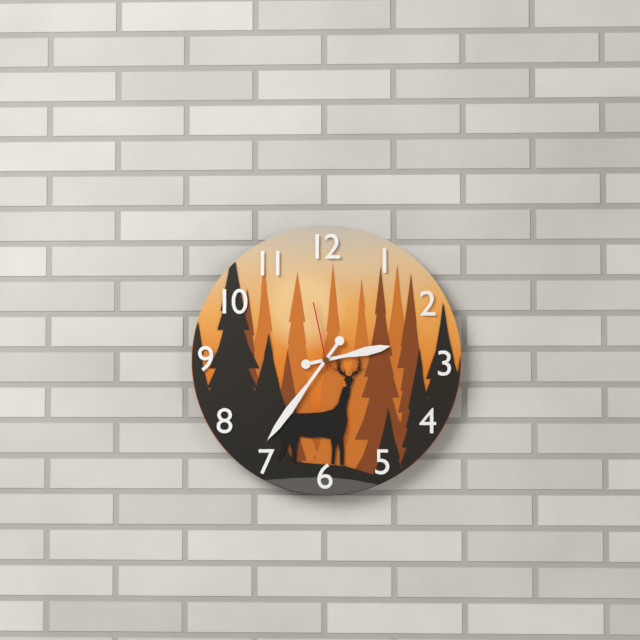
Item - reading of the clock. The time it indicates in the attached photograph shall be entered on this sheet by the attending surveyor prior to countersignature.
2:36:58
